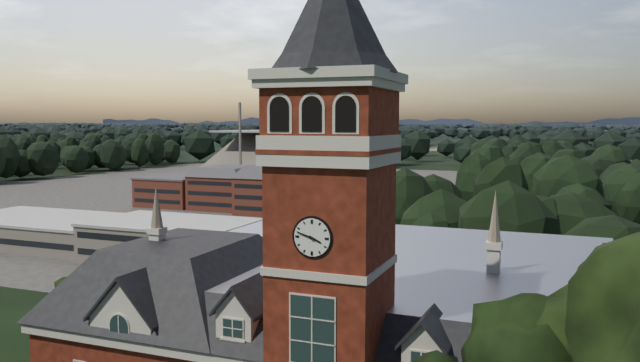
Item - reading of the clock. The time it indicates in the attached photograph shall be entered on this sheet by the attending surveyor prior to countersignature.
3:48
